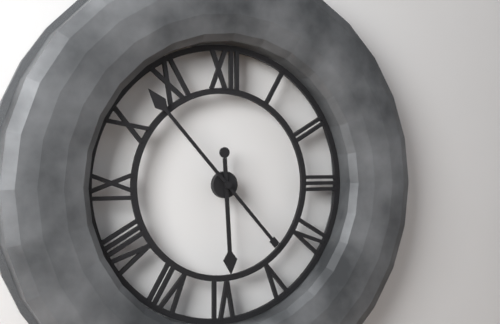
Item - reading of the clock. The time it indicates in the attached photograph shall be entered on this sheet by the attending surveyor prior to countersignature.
5:53
